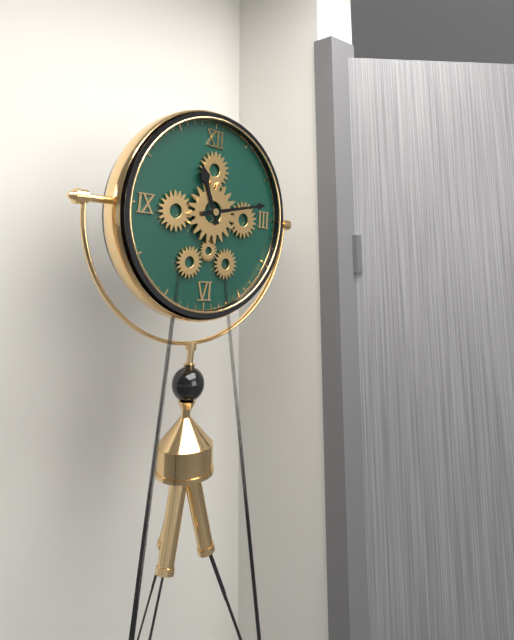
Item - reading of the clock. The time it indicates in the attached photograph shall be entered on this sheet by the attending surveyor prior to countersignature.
11:13
